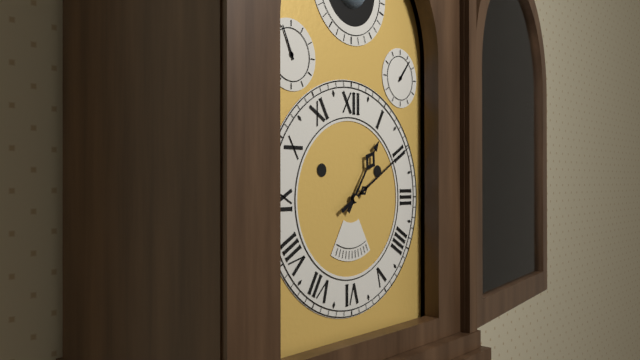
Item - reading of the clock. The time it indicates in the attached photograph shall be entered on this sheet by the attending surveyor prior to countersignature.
1:10
